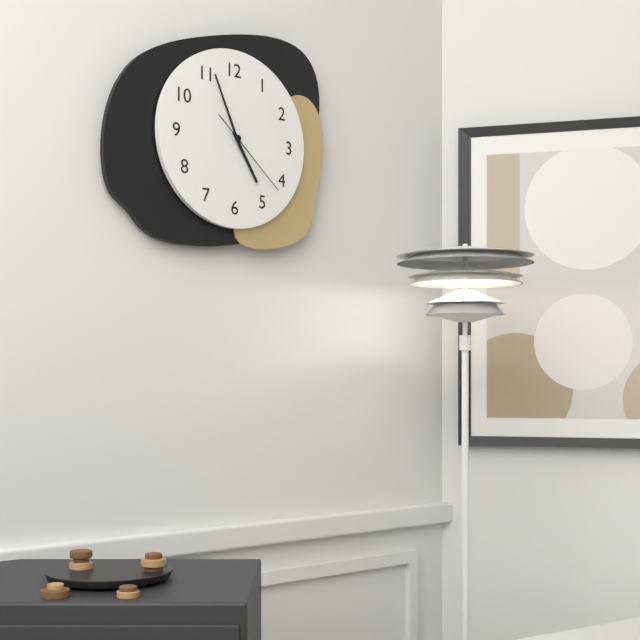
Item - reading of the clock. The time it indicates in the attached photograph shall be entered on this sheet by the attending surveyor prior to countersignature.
4:56:22
